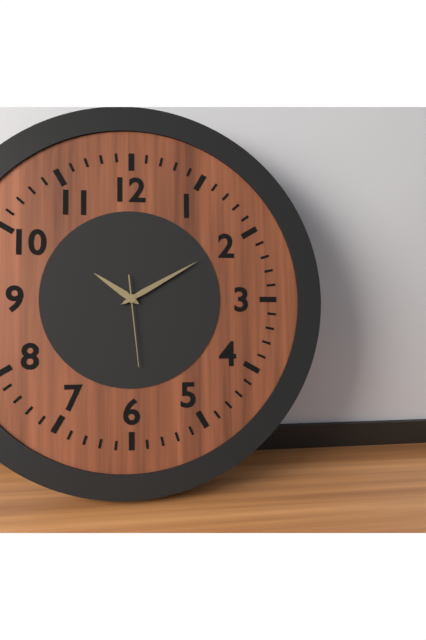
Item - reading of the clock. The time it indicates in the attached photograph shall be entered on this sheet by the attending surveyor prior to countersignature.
10:10:29
